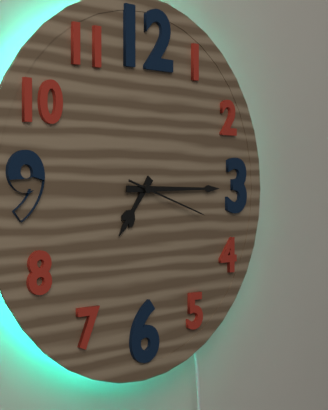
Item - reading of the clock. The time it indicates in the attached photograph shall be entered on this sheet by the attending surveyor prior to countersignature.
7:15:18
